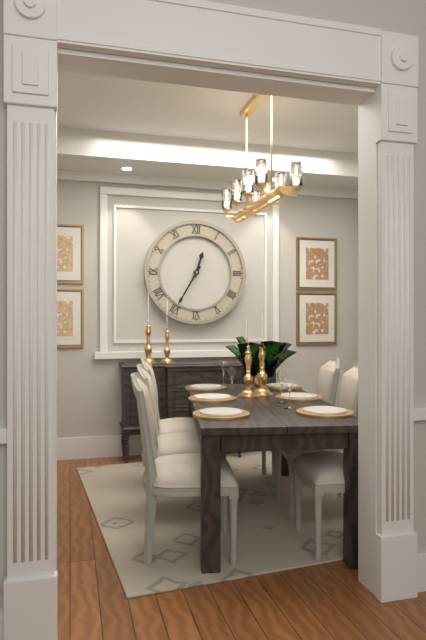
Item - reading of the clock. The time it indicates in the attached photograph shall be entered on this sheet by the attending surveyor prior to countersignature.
12:35
